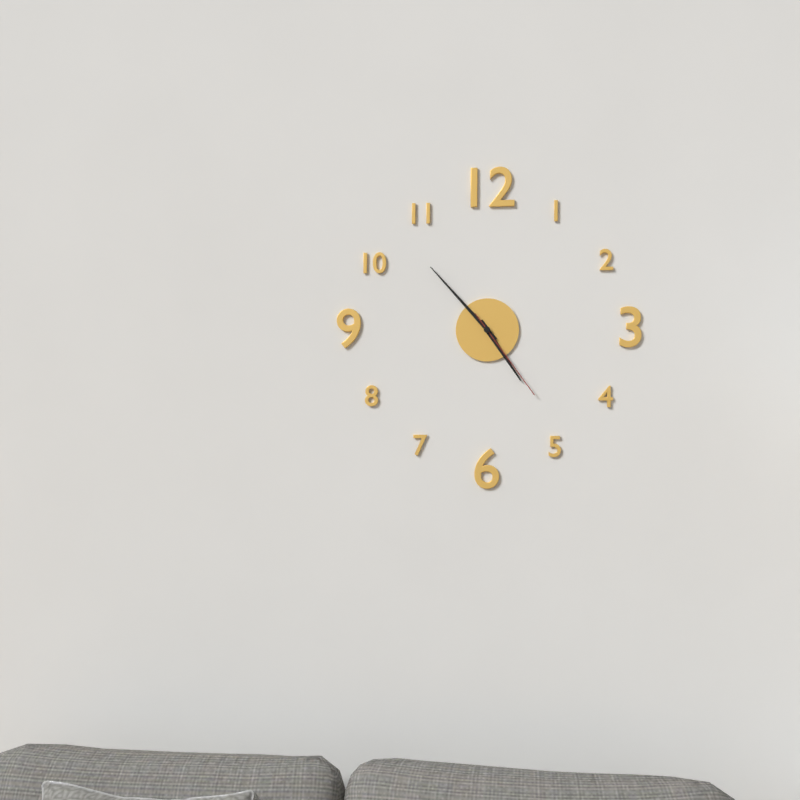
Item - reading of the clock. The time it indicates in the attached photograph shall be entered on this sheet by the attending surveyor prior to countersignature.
4:53:24
